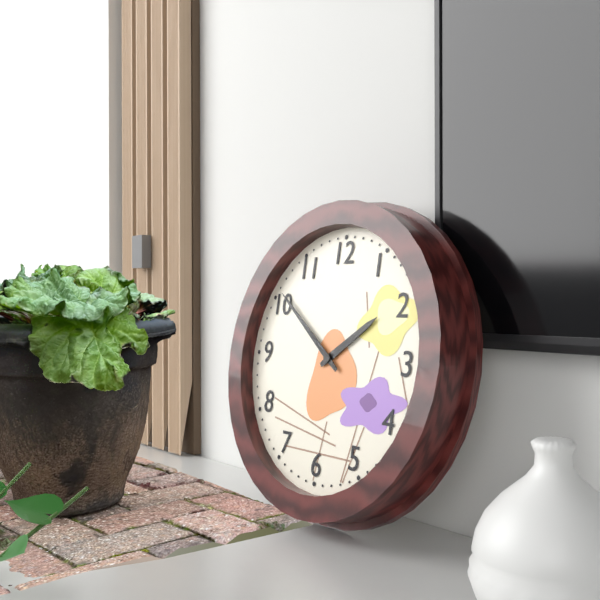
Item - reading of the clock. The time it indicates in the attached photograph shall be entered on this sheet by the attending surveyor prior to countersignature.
1:51
